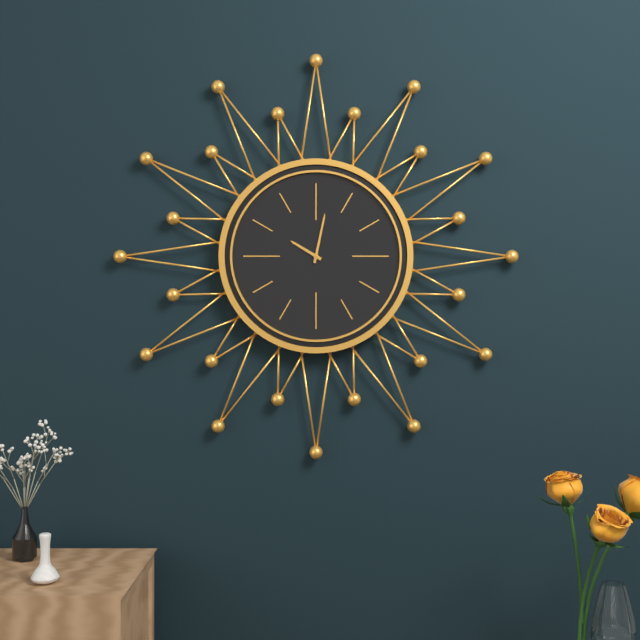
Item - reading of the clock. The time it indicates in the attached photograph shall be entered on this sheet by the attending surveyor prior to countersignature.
10:02
